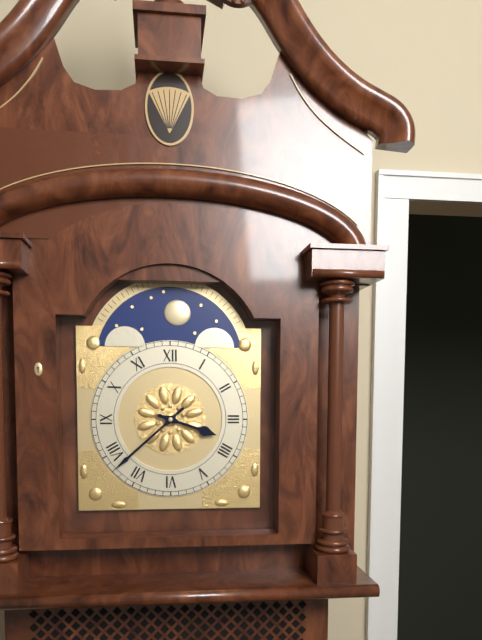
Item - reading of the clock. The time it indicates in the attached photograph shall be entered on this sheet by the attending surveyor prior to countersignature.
3:38
